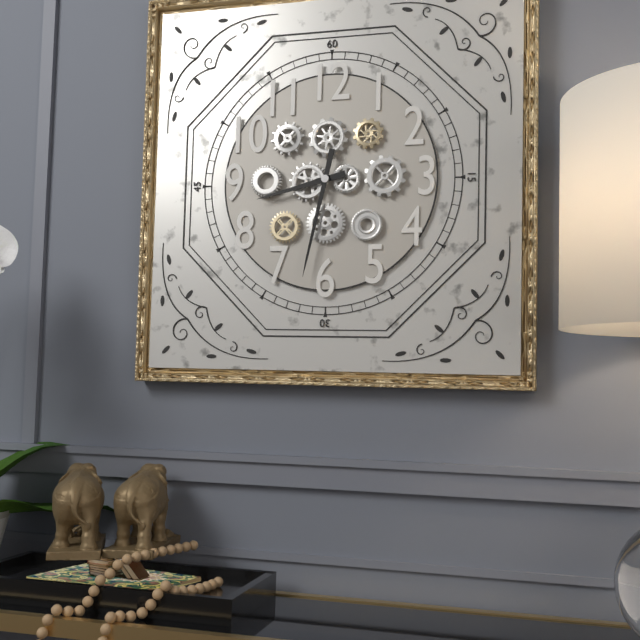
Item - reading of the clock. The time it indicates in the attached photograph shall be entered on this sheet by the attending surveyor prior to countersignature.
8:32
